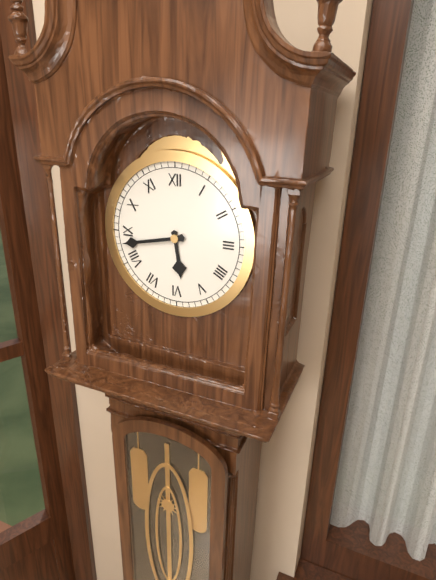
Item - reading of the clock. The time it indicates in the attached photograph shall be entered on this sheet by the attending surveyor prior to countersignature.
5:43
